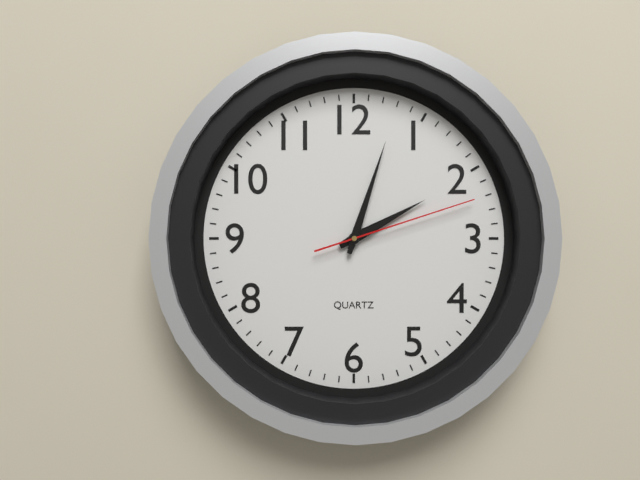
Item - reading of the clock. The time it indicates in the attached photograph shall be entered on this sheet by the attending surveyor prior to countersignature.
2:03:12
